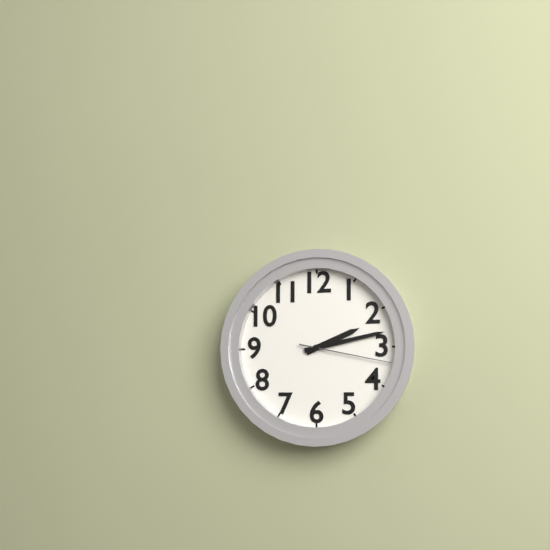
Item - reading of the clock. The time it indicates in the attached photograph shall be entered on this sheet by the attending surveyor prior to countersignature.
2:13:17
